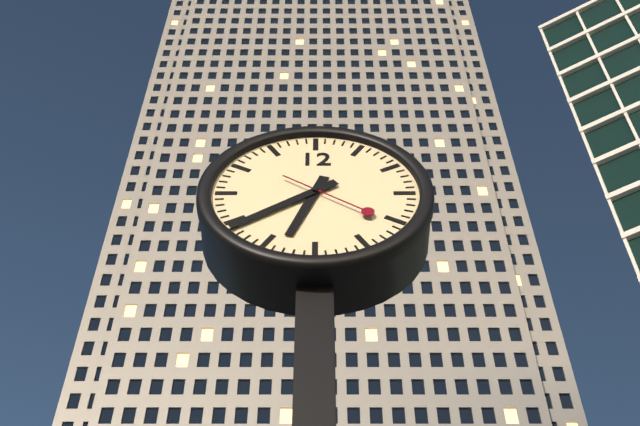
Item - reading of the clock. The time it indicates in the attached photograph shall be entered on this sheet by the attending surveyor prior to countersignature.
6:39:21
